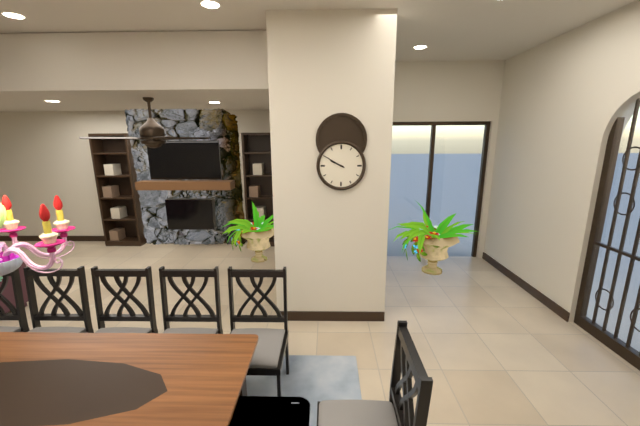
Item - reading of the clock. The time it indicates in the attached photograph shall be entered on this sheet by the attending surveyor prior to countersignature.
9:50
